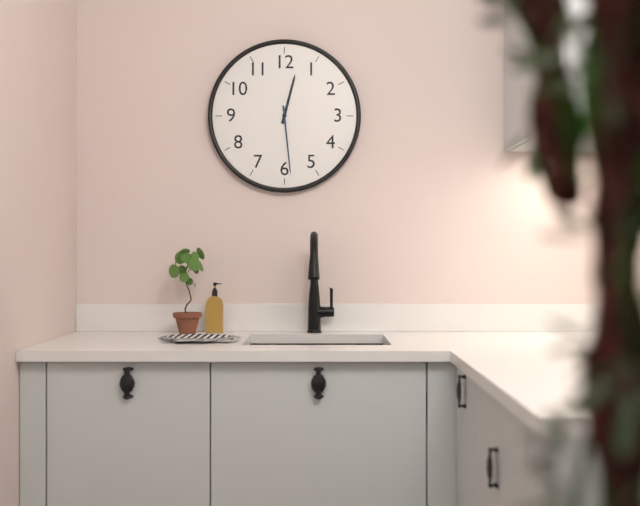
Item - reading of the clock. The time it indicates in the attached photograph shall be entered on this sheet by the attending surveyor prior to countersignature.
12:29
